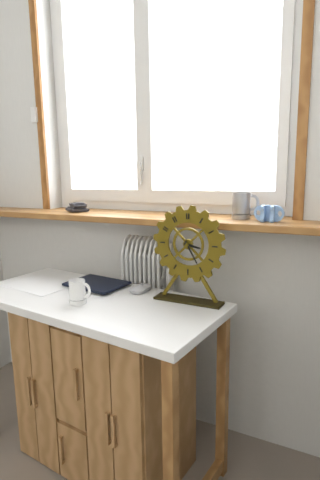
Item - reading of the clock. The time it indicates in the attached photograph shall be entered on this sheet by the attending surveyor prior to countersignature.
3:25
